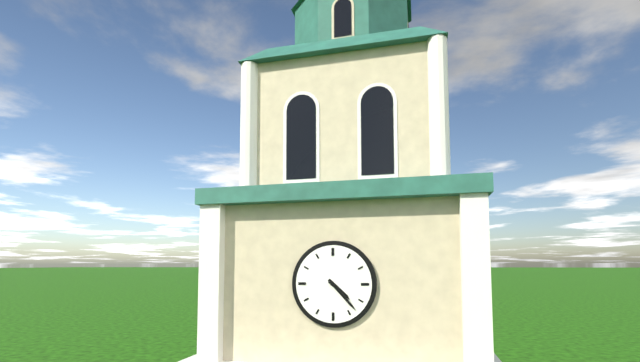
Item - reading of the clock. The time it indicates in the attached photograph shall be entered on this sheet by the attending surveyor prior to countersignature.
4:23
